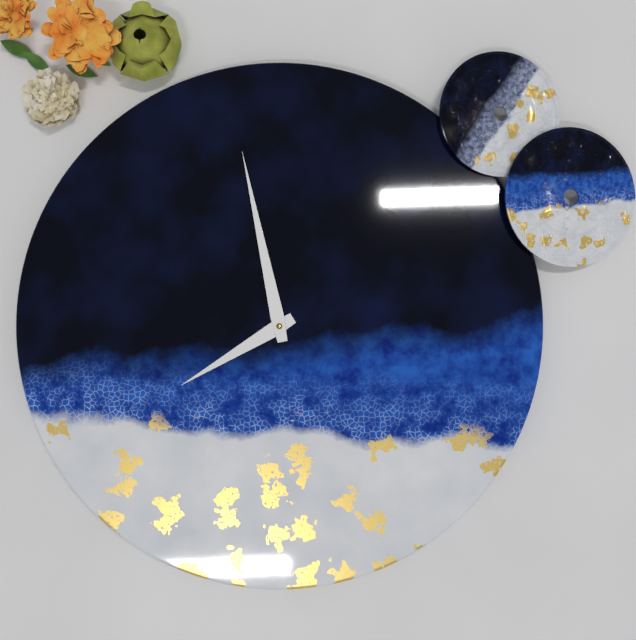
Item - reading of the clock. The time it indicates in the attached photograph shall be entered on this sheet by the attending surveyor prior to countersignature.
7:58
